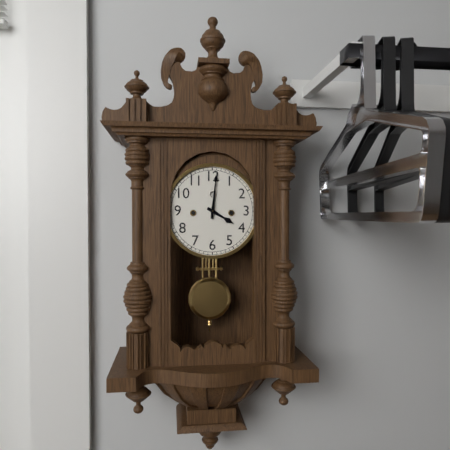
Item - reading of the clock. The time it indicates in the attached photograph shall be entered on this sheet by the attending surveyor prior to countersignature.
4:01
